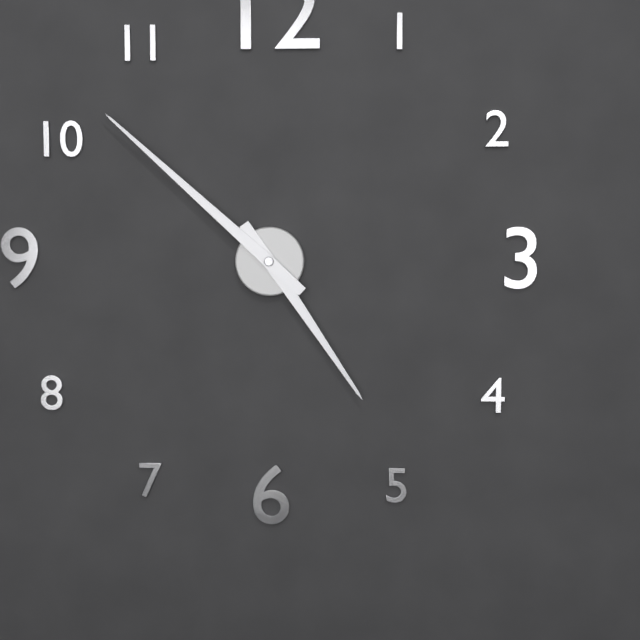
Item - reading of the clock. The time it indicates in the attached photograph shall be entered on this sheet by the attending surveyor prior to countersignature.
4:52
